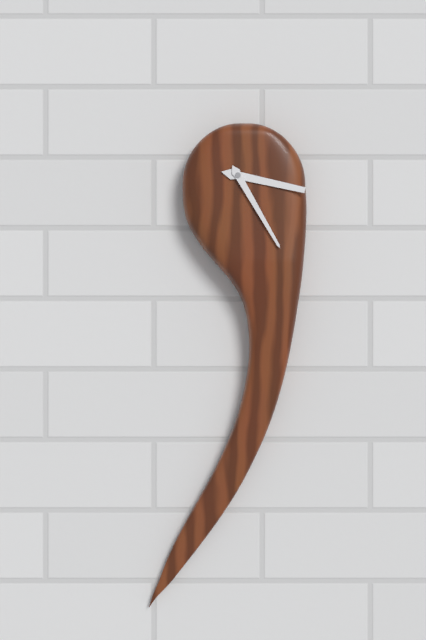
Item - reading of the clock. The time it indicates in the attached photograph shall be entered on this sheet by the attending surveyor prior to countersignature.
3:25
